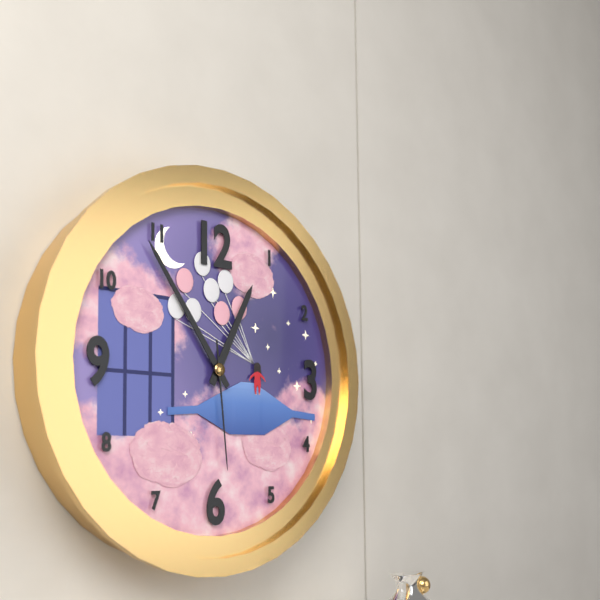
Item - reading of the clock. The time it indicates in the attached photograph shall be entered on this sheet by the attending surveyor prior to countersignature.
12:54:29
